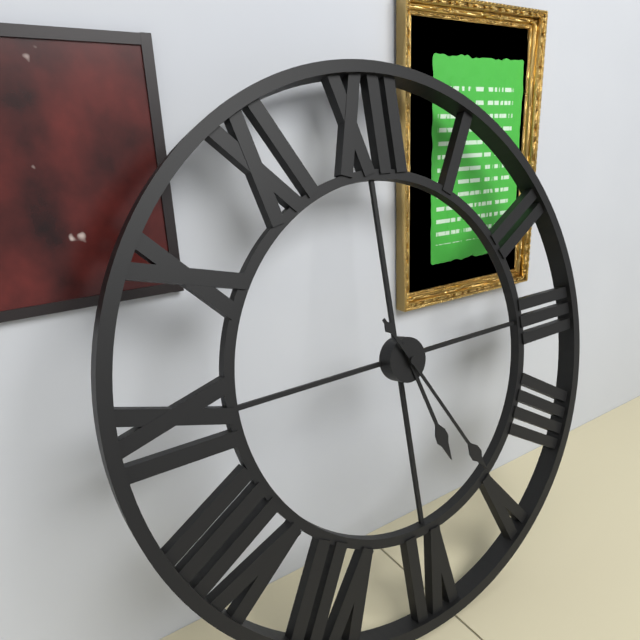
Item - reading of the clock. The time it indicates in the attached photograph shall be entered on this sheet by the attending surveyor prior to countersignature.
5:25
